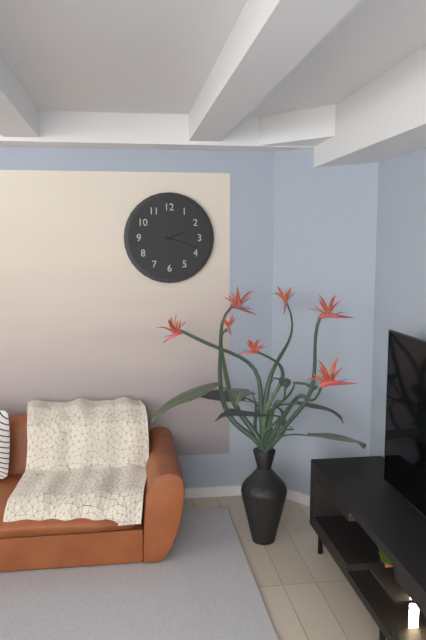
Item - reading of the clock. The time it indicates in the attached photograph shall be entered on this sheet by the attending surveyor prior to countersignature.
2:18
